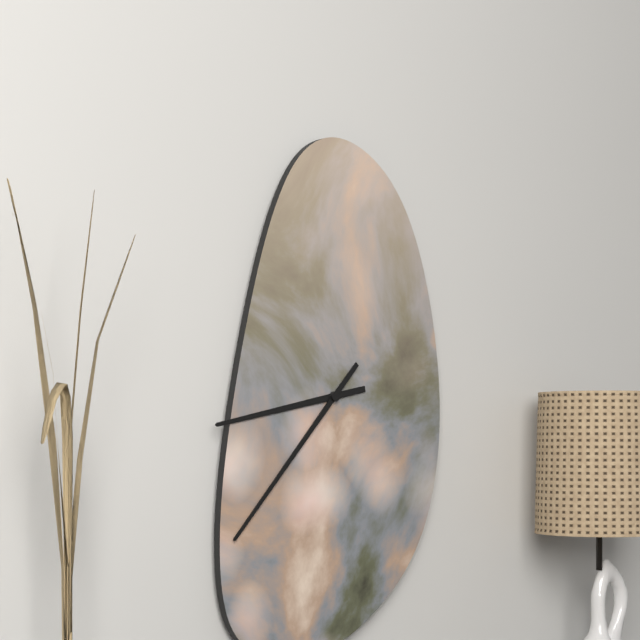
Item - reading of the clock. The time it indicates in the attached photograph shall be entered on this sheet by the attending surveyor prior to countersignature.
8:37
